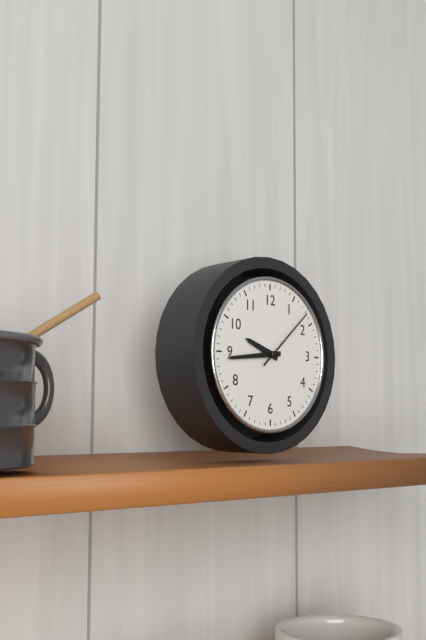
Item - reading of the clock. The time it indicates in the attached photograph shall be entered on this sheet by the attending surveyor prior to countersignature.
9:44:08
